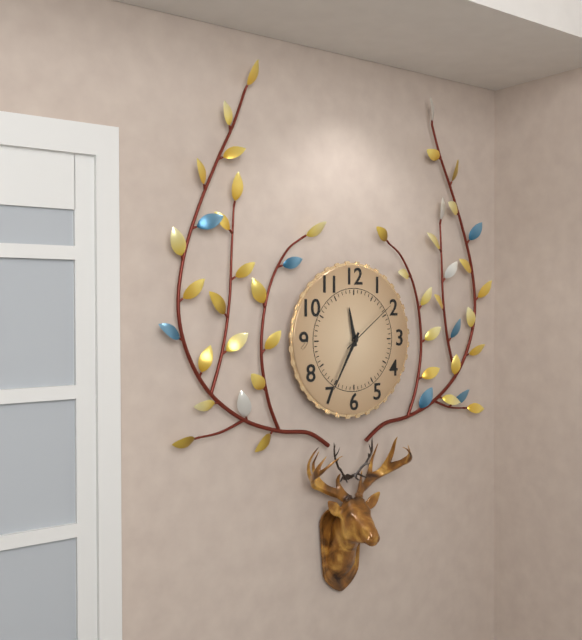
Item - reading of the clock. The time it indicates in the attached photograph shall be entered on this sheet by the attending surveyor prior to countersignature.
11:35:09
